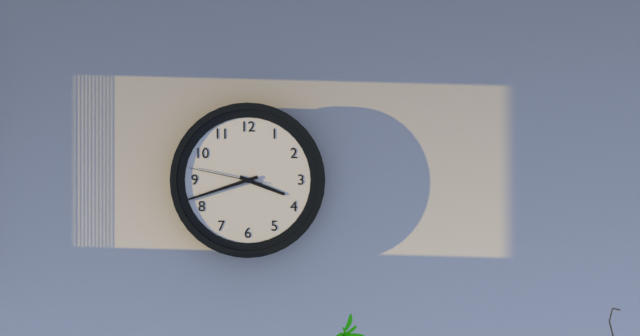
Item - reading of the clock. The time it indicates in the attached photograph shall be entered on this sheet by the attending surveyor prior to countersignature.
3:42:47
